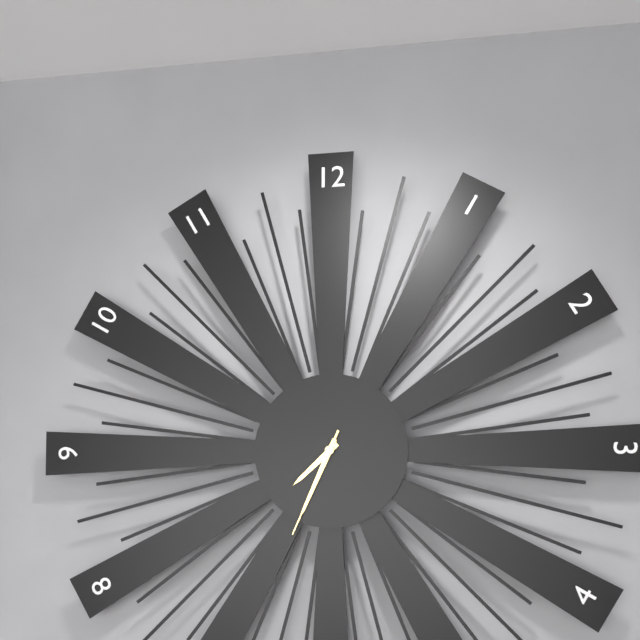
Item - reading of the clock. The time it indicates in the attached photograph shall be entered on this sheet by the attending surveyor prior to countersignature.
7:34:34
